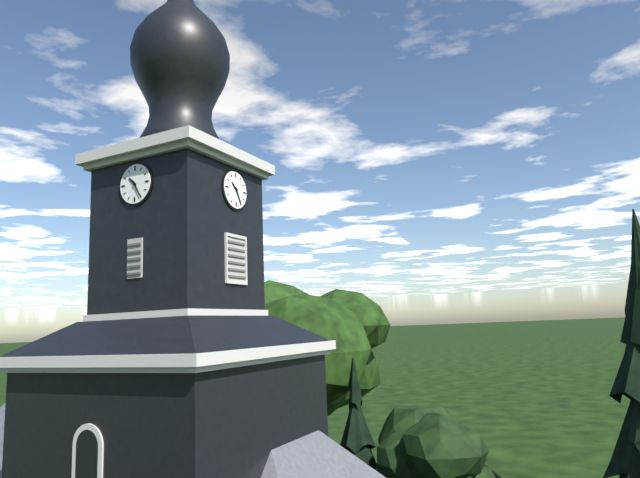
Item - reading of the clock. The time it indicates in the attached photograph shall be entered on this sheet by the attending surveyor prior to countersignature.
10:25
